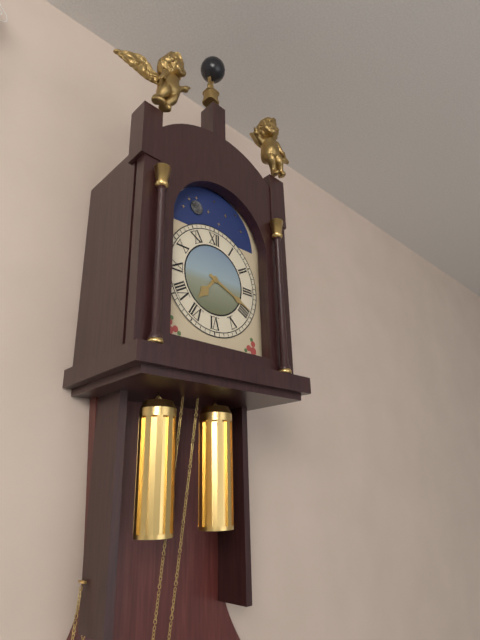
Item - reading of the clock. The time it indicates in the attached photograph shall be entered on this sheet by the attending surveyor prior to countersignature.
7:19
